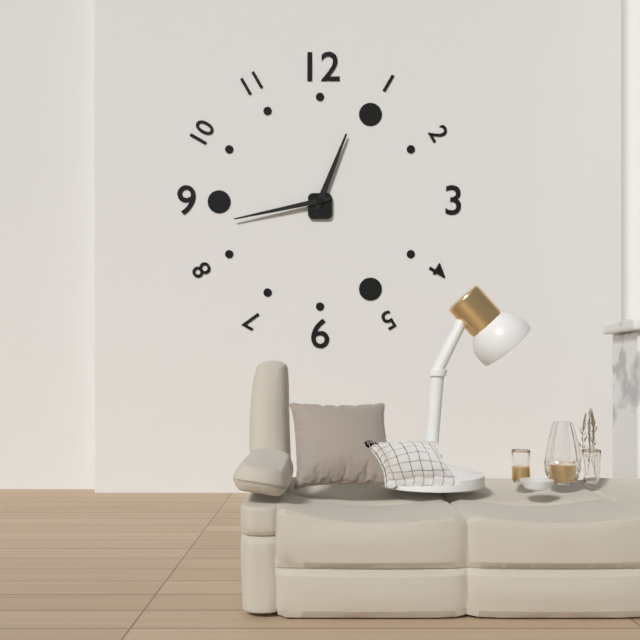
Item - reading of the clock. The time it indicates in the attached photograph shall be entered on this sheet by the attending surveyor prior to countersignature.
12:43
